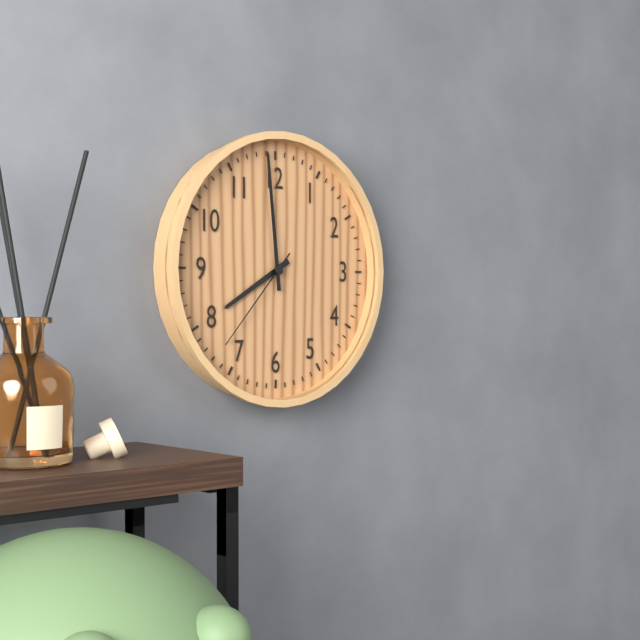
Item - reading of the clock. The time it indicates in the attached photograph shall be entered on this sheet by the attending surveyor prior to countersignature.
7:59:37
